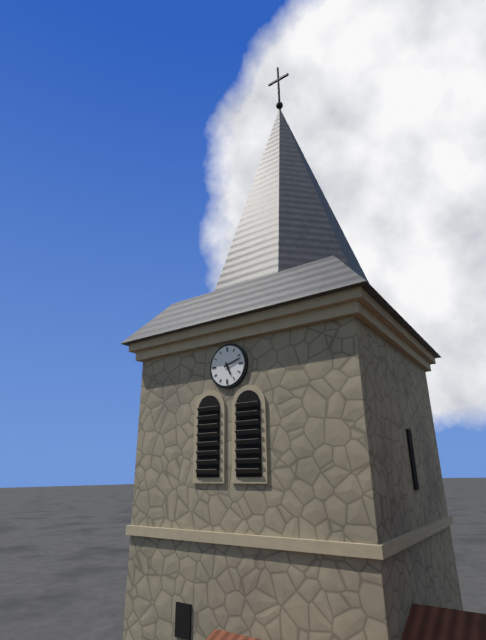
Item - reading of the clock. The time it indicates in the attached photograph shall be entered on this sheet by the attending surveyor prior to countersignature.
5:12
